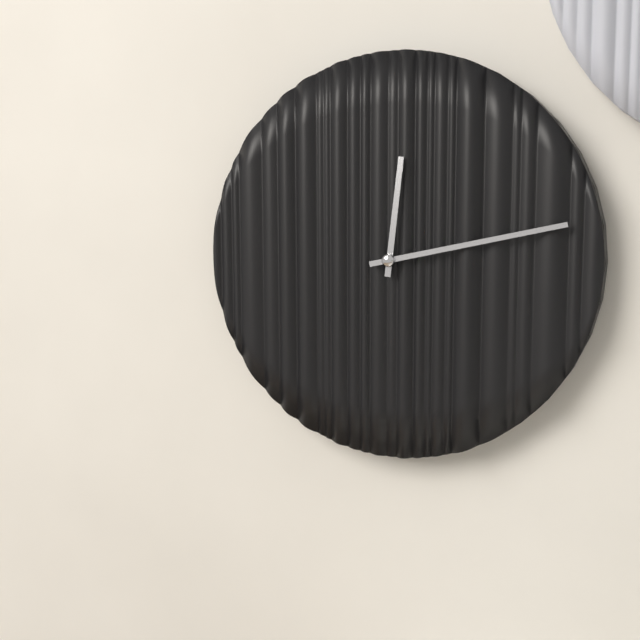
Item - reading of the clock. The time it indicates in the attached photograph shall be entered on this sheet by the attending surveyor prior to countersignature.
12:13
